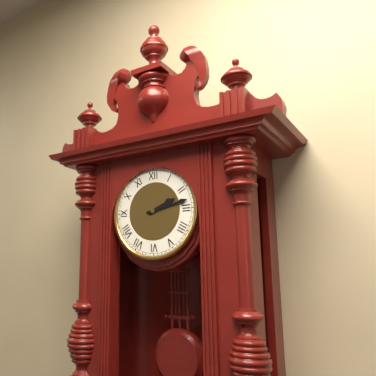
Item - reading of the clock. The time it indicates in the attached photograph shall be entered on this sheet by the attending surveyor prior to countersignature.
2:13
